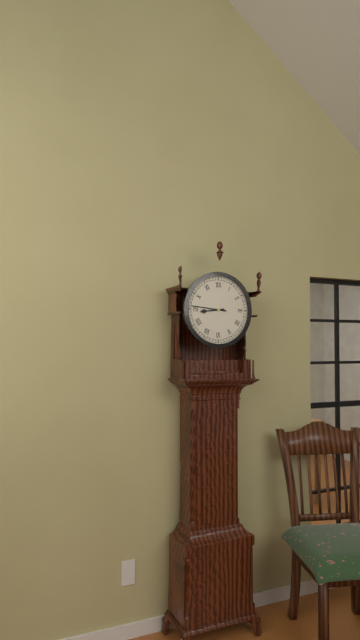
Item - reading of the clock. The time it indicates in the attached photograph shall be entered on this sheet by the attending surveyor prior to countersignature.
8:46
